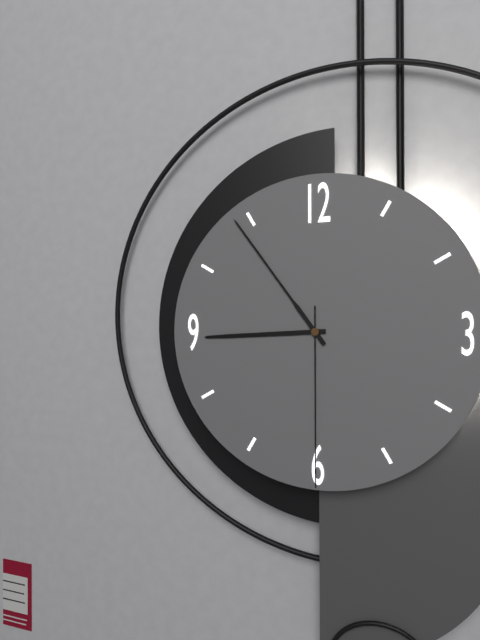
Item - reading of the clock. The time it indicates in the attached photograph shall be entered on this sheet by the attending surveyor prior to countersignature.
8:54:30
